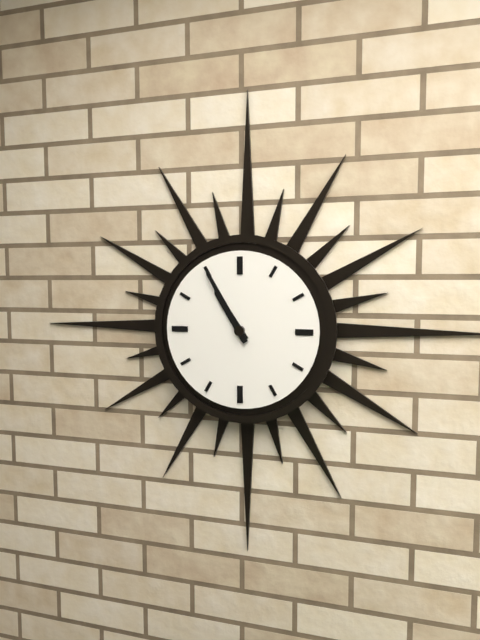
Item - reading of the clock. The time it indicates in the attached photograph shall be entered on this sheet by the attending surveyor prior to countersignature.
10:55
